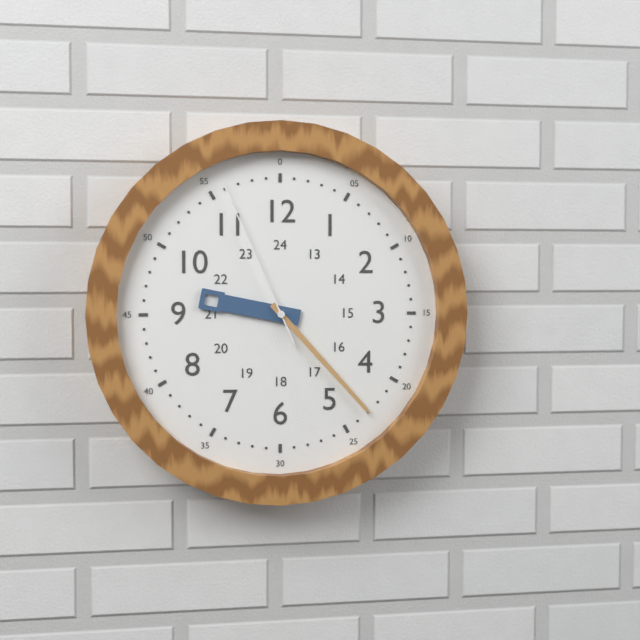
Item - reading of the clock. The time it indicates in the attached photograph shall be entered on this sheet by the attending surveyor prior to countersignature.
9:23:56
